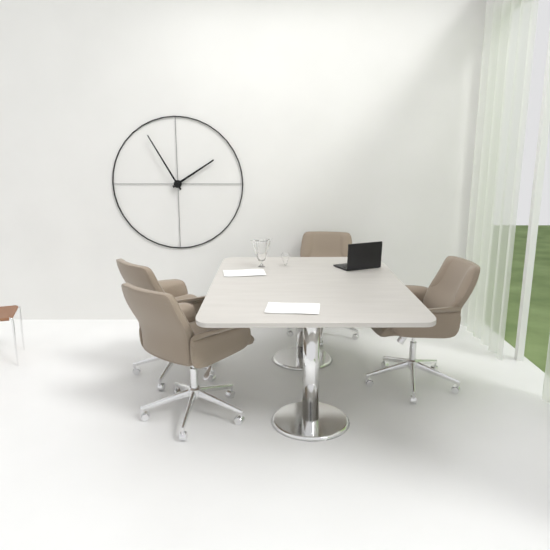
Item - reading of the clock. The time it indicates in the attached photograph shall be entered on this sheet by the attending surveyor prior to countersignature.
1:55
